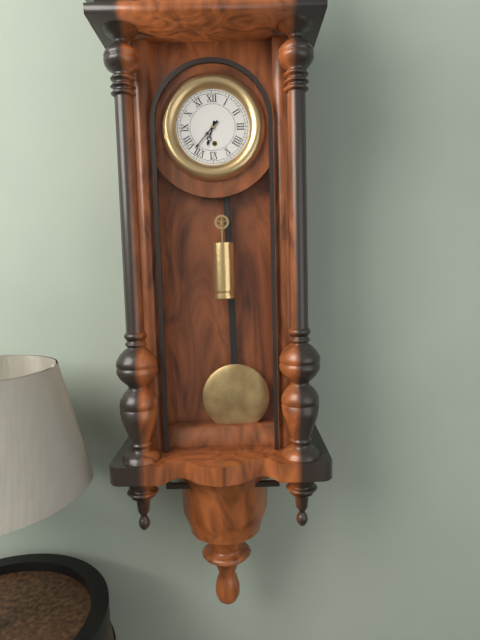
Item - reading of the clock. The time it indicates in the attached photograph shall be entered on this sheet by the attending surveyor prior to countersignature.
6:37
